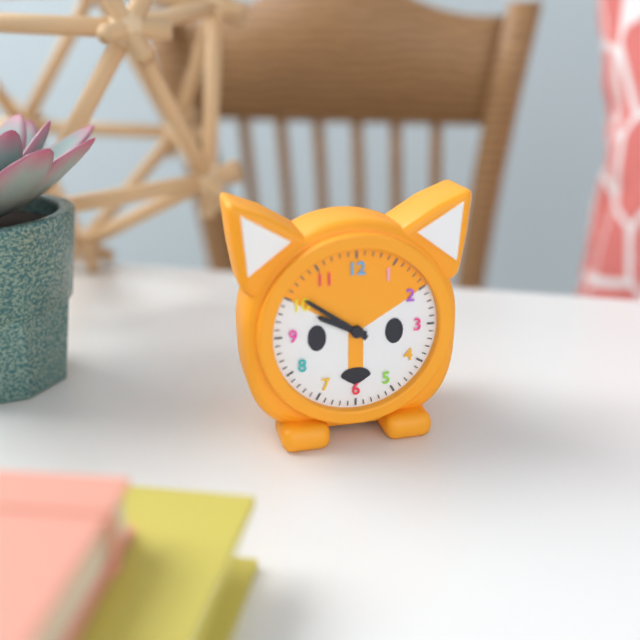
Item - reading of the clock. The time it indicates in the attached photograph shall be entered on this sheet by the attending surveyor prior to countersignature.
9:51
